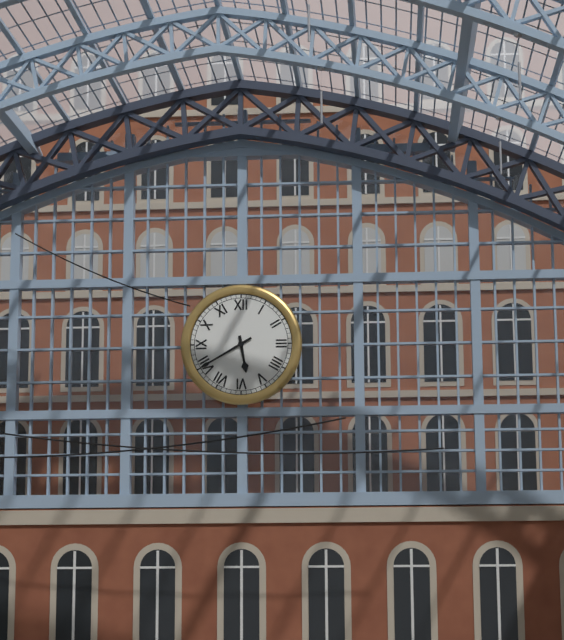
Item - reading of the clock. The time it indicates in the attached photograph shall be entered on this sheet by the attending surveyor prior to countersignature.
5:40
